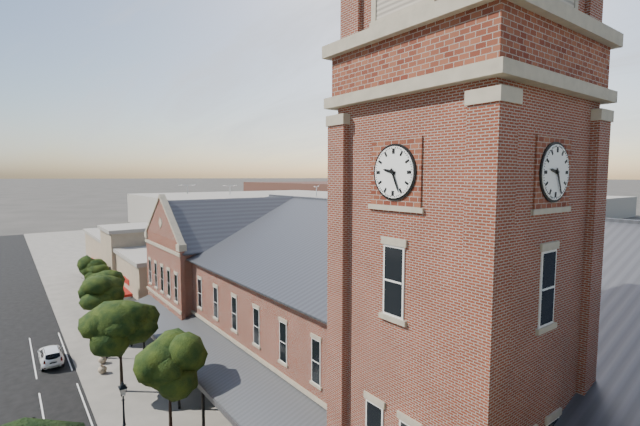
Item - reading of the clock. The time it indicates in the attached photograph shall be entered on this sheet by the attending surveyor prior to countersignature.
9:26
